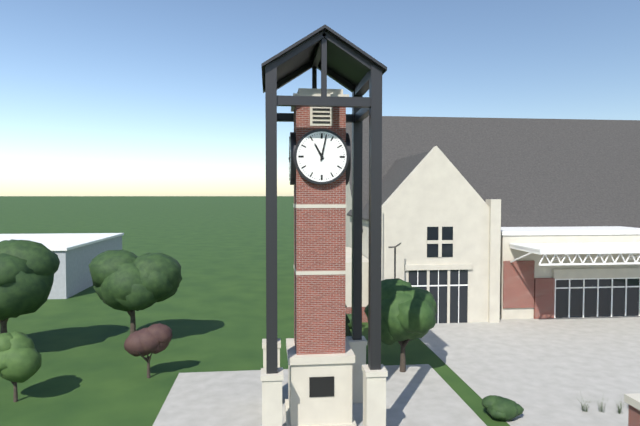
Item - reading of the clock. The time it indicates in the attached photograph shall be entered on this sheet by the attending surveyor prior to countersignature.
11:02
